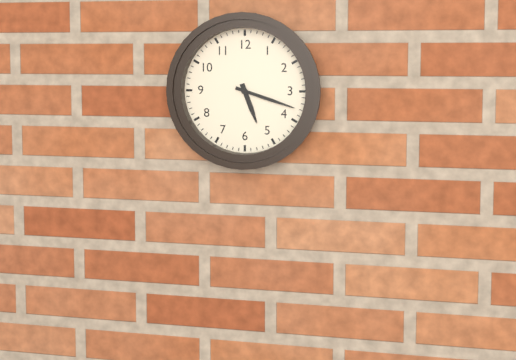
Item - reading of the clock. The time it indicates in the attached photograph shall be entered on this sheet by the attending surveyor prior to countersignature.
5:18
